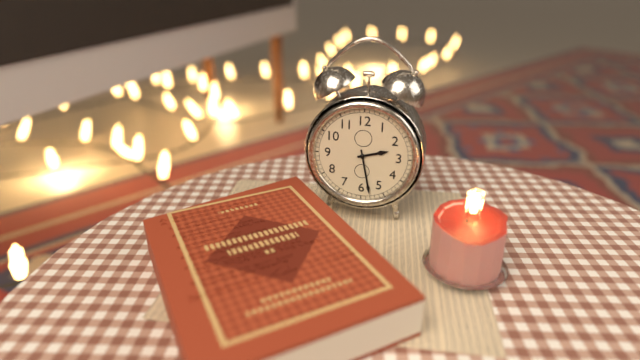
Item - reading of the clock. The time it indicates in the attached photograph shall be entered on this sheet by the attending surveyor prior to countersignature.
2:28
